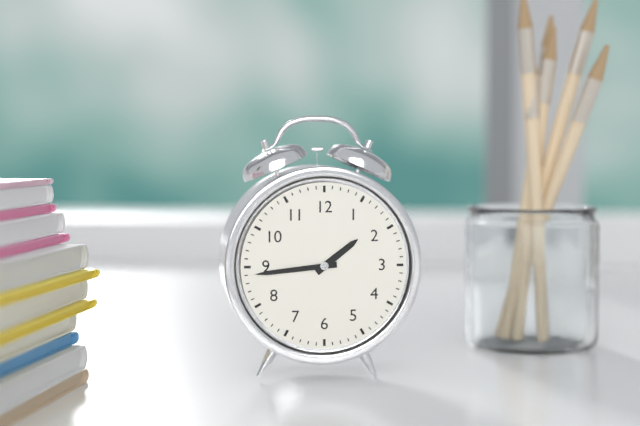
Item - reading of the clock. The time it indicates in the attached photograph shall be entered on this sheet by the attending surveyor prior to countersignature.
1:44
